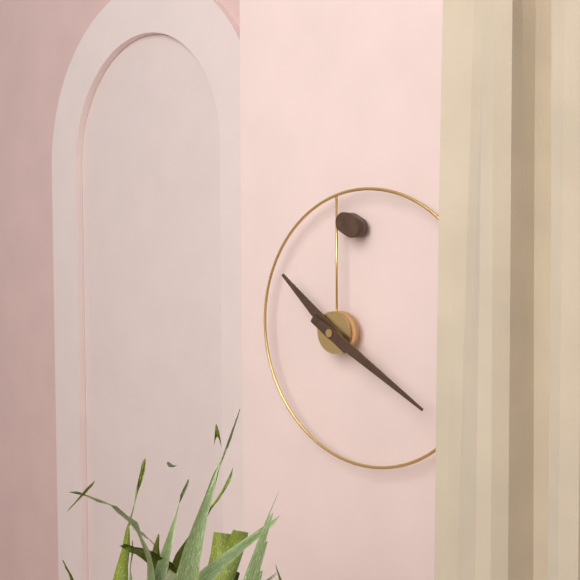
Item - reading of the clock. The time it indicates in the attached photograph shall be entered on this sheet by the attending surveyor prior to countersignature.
10:20
